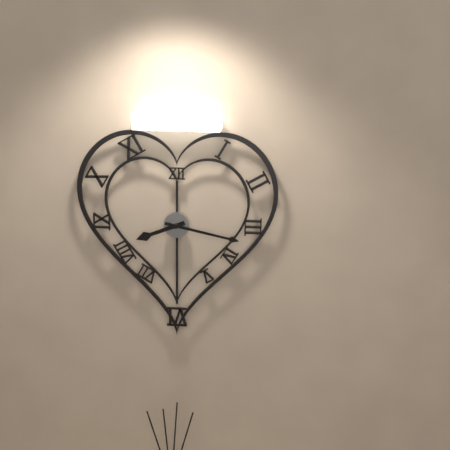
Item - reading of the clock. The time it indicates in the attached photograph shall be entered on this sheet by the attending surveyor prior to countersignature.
8:17
